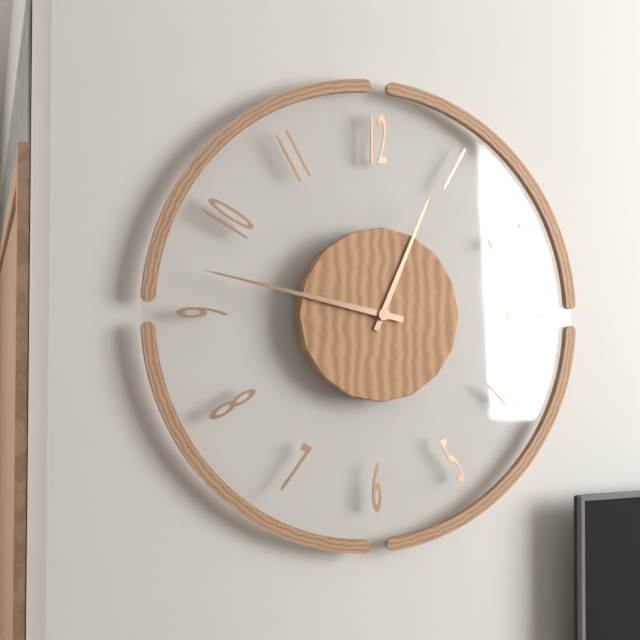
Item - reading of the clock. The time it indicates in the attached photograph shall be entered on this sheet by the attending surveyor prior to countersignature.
12:47
